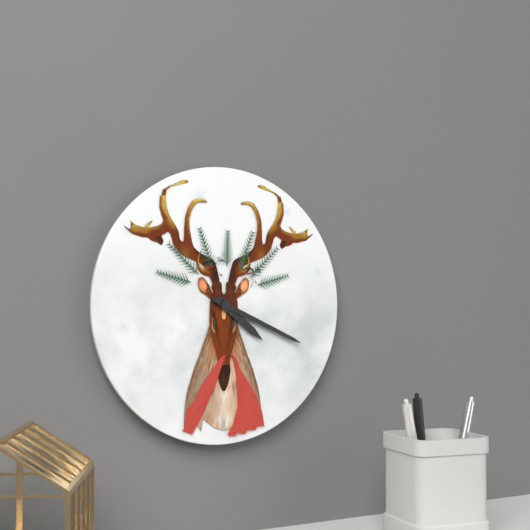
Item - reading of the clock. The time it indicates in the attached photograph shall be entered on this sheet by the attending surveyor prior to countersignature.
4:19
